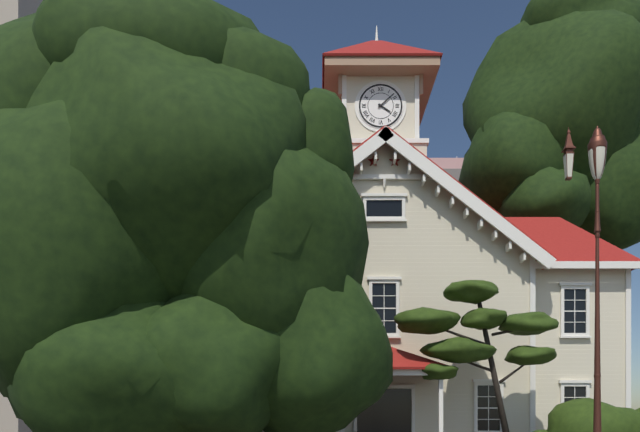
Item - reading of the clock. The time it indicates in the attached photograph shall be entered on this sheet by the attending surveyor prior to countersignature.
4:08
